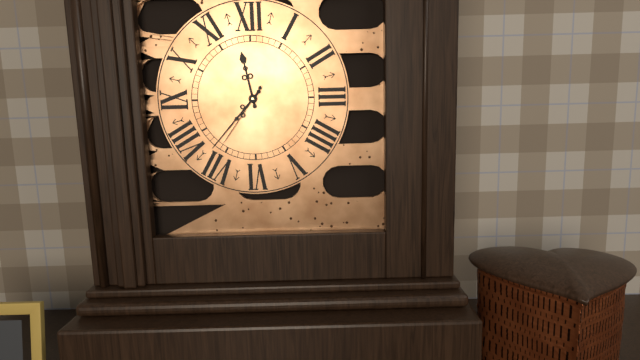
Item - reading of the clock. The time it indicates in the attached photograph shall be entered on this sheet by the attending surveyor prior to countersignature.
11:37:36
